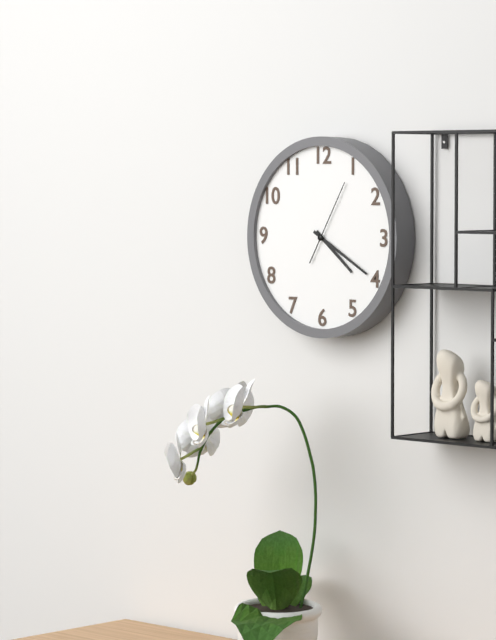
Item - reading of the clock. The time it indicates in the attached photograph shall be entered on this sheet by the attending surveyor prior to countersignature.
4:20:05
